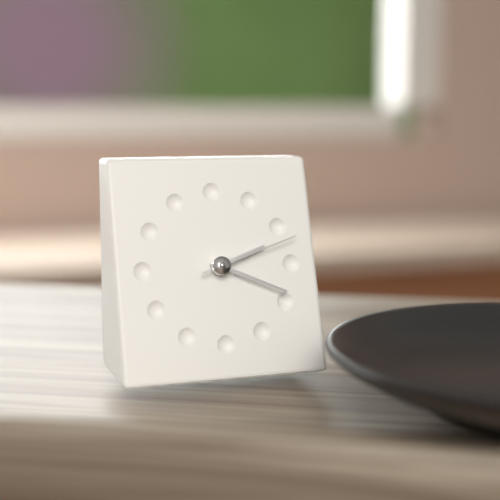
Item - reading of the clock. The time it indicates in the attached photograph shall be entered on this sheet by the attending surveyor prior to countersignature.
2:19:12
